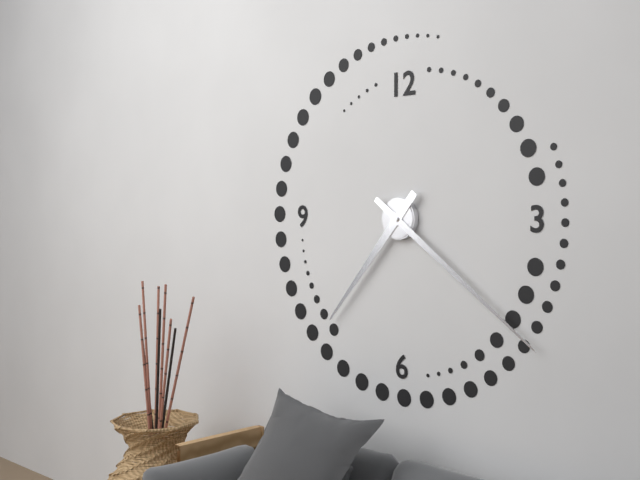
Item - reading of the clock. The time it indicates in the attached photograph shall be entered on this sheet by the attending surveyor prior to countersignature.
7:21
